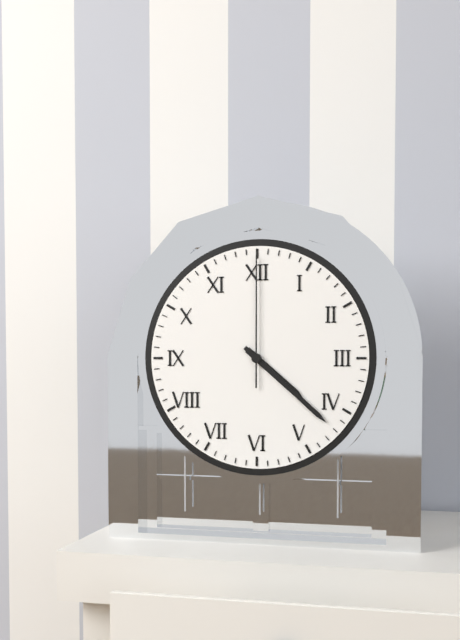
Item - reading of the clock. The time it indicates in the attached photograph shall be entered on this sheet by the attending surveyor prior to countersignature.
4:22:00
